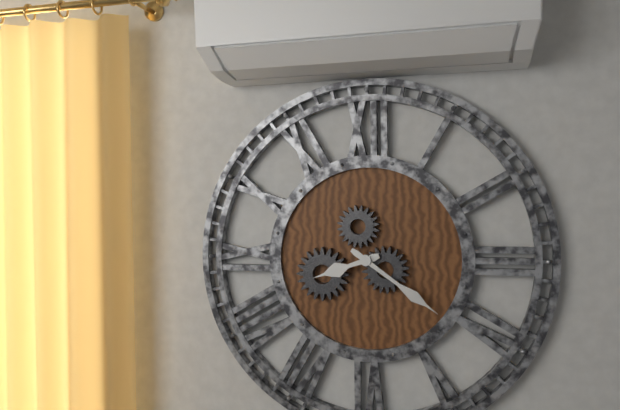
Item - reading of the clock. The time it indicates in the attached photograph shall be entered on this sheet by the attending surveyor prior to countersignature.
8:21
